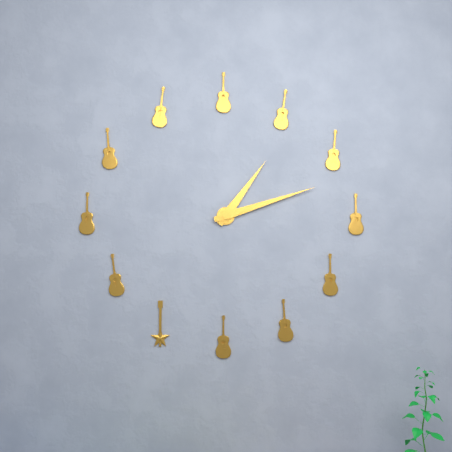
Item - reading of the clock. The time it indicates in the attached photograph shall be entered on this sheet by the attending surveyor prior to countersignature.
1:12
